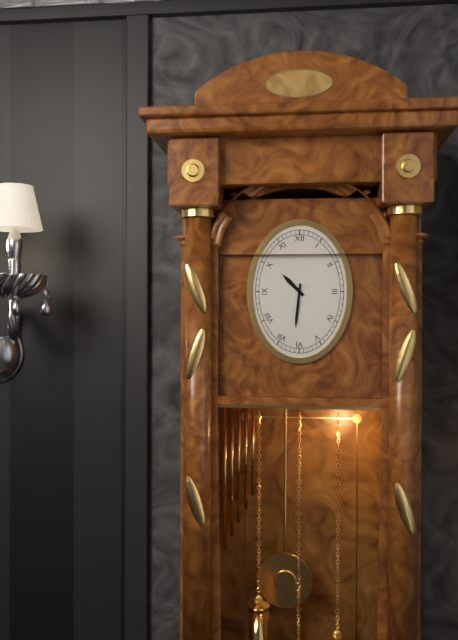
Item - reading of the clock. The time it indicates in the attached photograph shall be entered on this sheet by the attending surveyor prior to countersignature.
10:31
